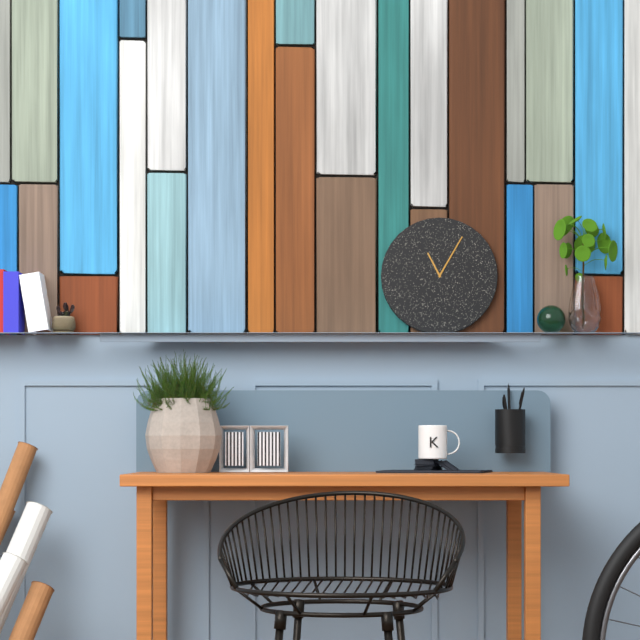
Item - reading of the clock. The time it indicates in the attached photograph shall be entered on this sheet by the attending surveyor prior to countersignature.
11:05
